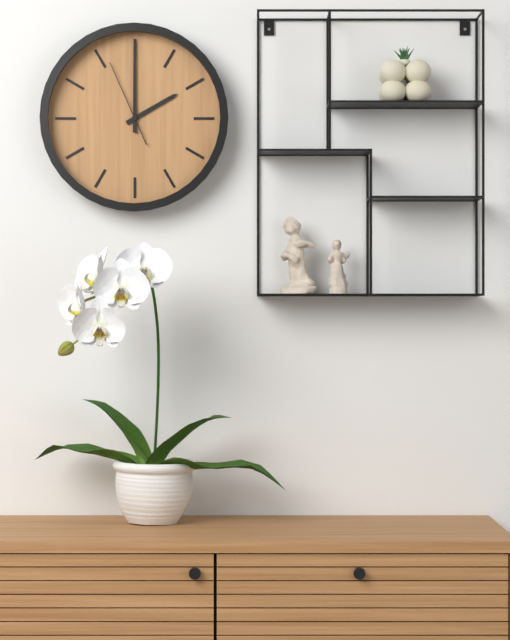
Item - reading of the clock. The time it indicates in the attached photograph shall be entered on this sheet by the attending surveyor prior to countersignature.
2:00:56
